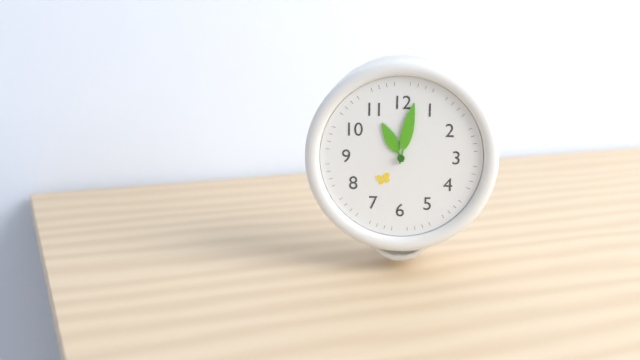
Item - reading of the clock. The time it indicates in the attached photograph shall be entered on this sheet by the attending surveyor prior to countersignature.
11:02
